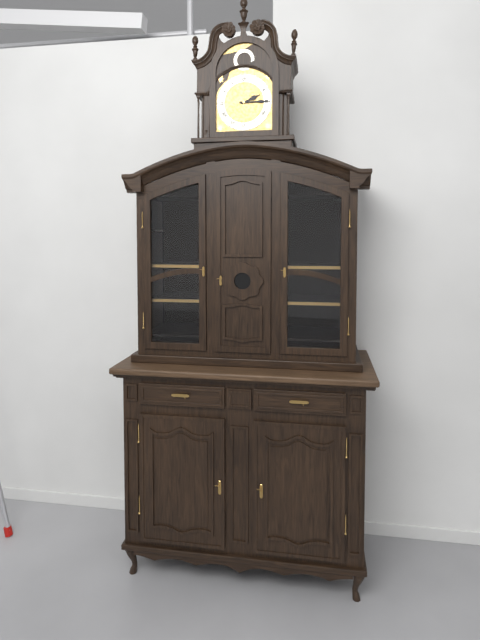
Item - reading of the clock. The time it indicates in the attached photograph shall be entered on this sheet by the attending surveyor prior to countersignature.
2:15
